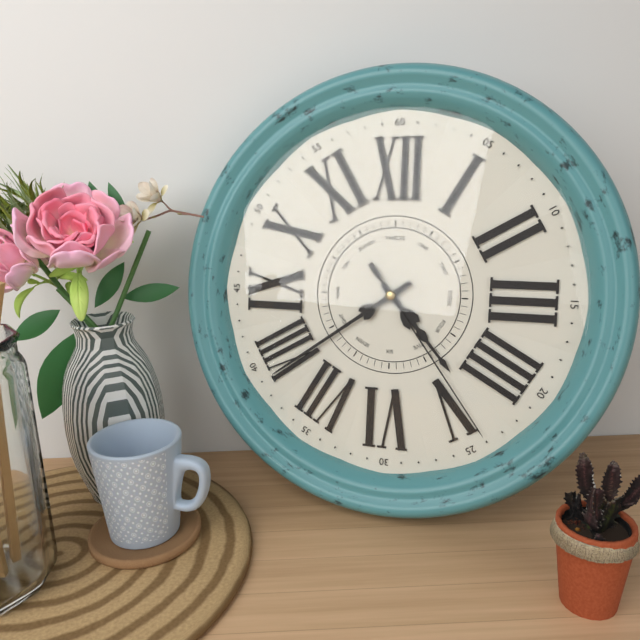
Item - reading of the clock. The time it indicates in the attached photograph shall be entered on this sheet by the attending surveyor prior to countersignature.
4:39:24
